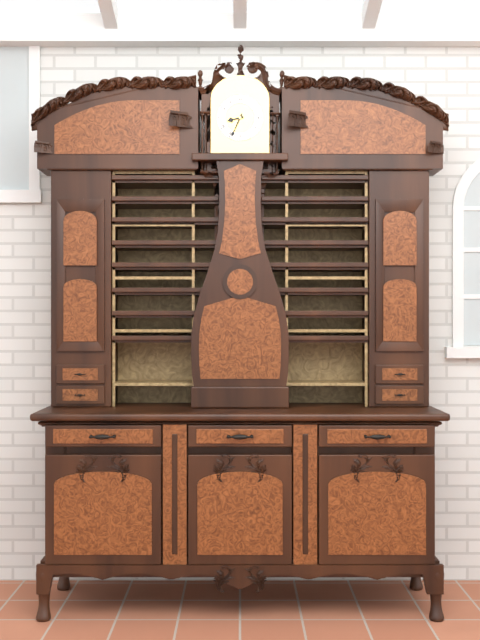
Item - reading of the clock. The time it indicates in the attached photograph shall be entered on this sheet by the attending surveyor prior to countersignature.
8:34
